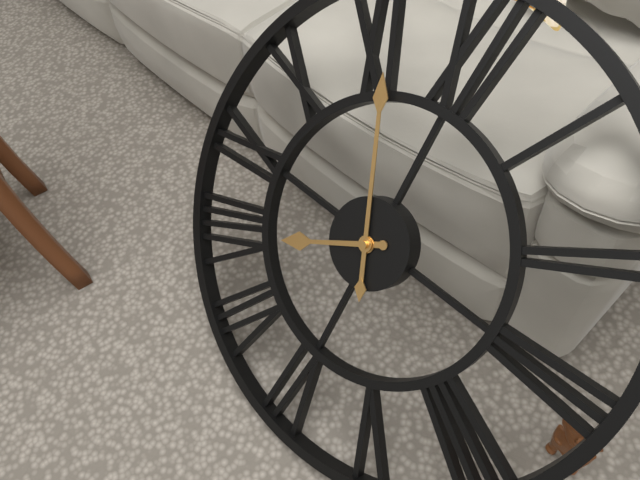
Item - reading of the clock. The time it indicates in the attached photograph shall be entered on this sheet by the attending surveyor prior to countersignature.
7:56
